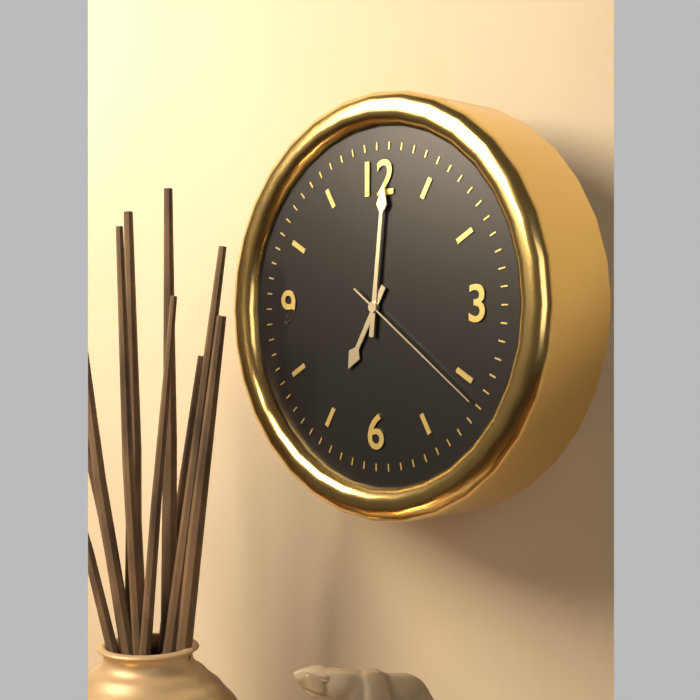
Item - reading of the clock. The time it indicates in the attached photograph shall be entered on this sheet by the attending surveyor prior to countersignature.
7:01:21
